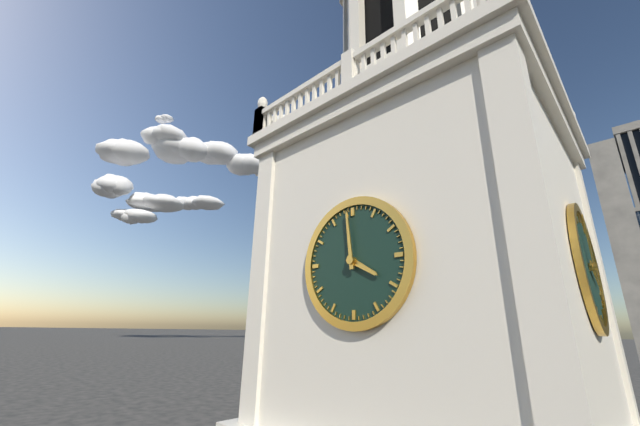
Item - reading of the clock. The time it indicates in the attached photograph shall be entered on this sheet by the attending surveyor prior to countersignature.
3:59
